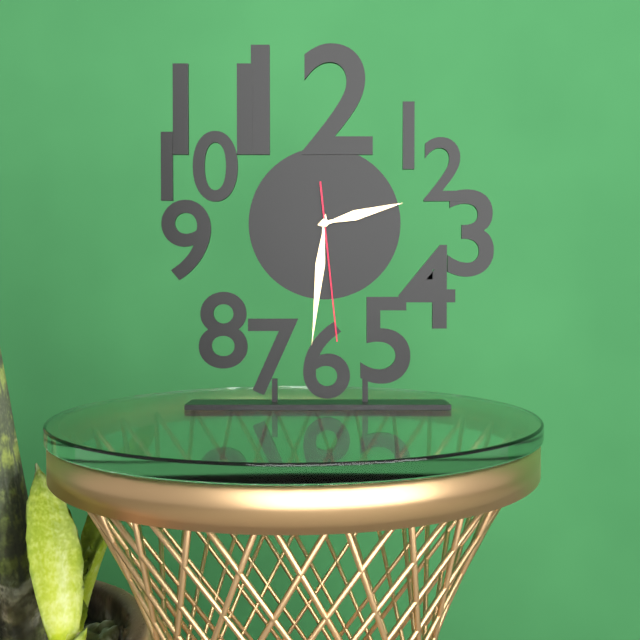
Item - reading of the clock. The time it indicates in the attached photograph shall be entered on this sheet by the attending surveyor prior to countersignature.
2:31:29
